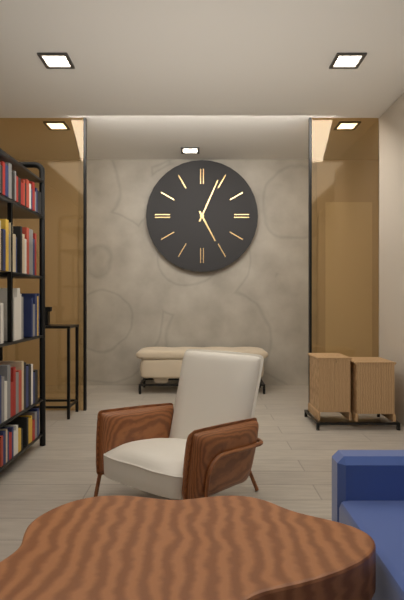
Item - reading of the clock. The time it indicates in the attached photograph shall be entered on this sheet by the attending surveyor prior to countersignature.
5:04
